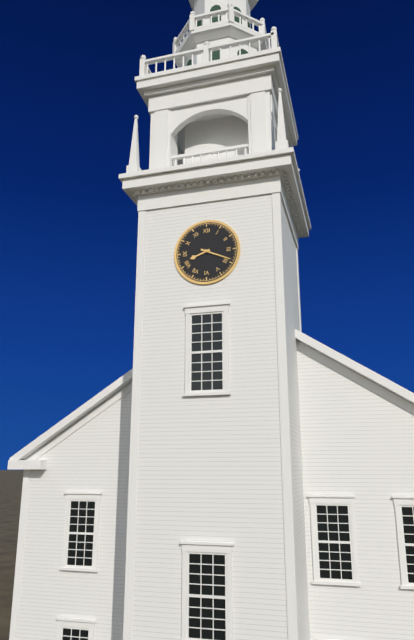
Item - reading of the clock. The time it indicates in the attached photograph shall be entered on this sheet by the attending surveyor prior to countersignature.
8:19
